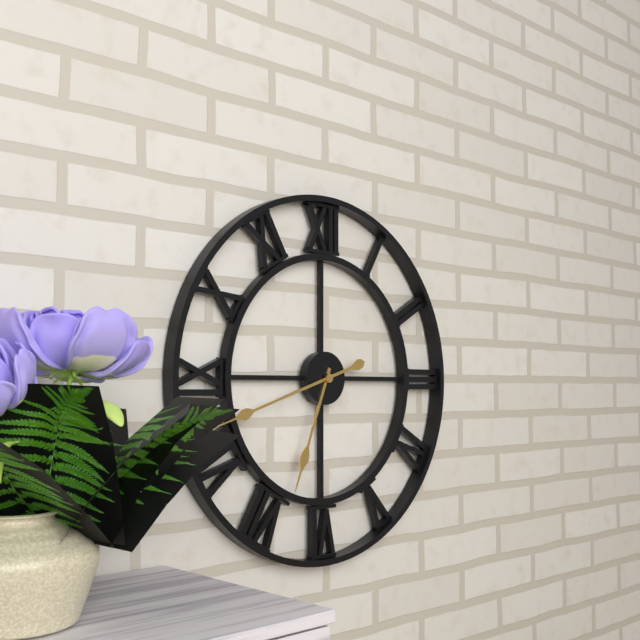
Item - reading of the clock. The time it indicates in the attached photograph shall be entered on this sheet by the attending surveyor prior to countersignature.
6:42
